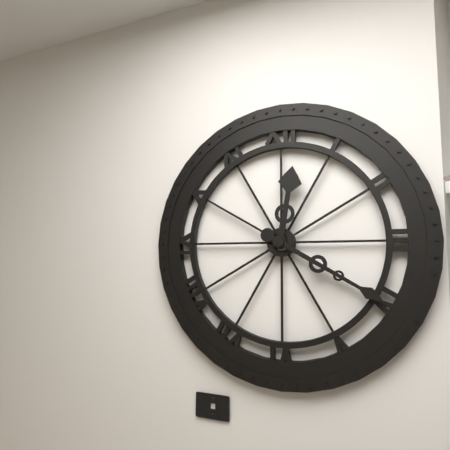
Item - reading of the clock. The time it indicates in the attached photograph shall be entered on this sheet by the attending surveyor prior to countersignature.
12:20
